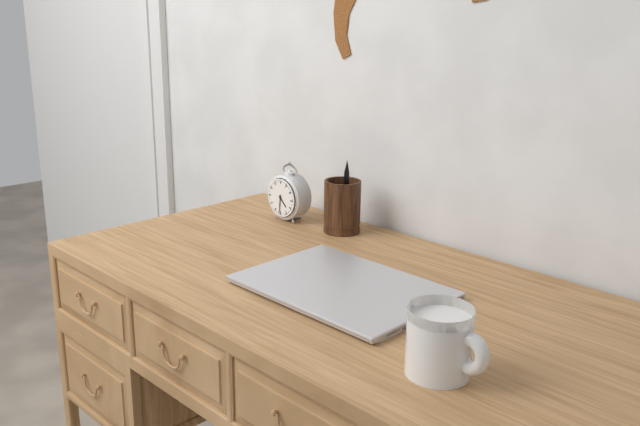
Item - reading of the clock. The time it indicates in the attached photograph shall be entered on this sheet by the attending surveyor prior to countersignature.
4:31
